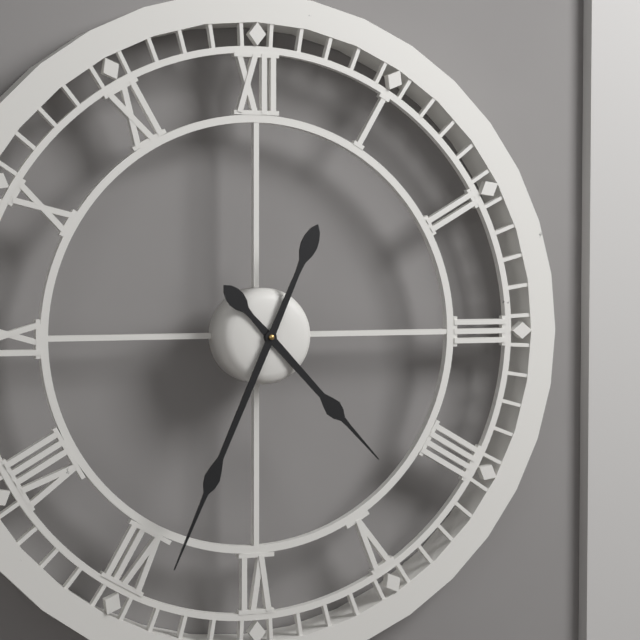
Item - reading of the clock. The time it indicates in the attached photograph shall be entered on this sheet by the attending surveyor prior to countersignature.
4:34
